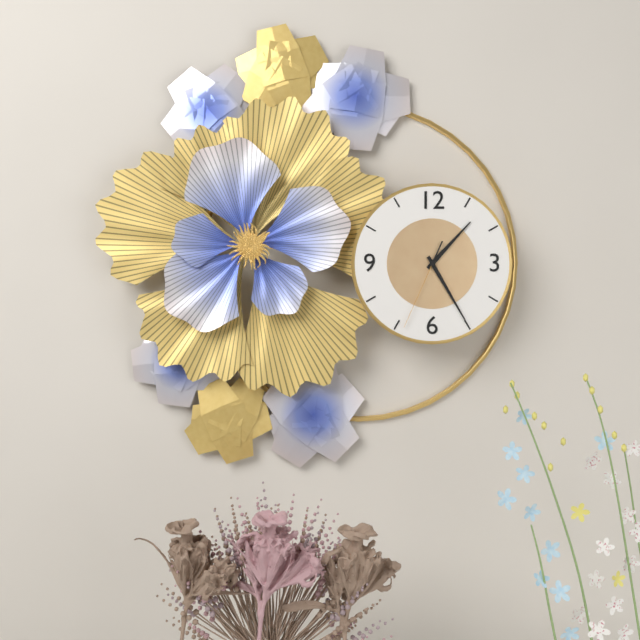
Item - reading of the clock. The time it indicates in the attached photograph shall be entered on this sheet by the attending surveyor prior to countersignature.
1:25:34
